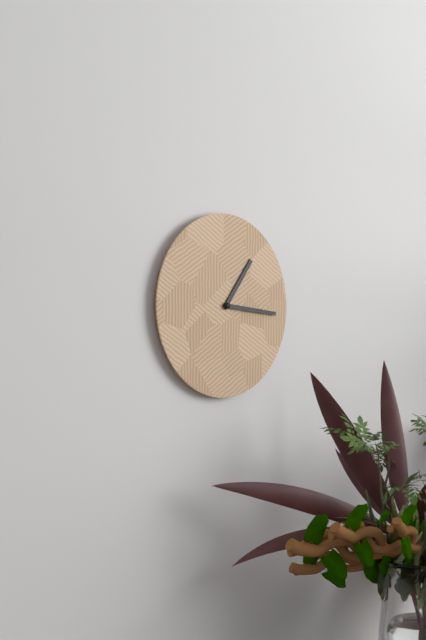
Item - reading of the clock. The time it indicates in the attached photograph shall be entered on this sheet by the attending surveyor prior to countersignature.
1:16
